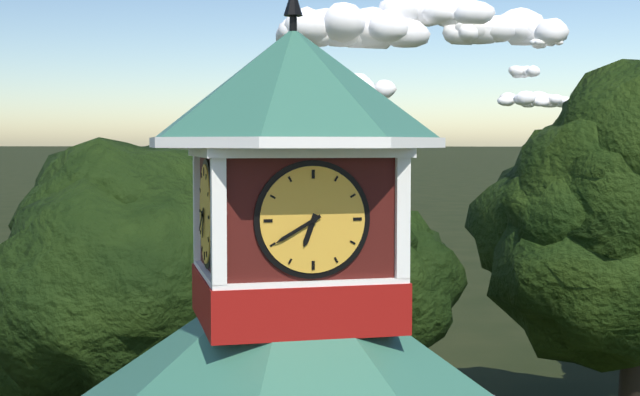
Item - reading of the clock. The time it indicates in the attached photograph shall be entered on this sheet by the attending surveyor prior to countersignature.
6:40
